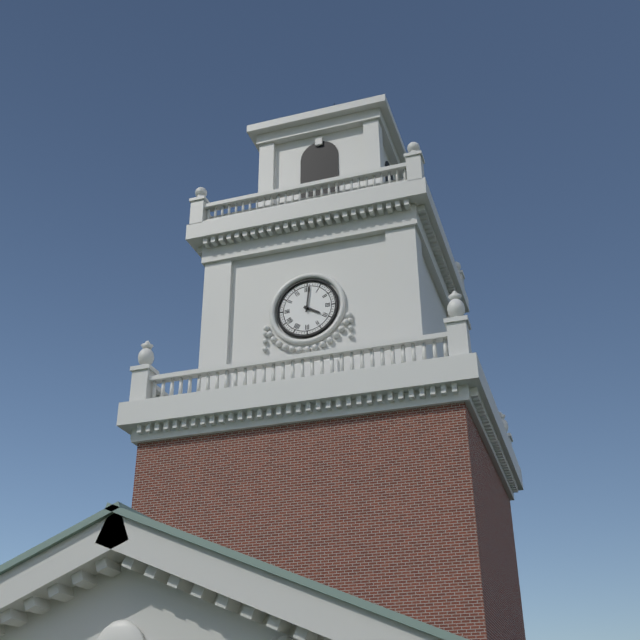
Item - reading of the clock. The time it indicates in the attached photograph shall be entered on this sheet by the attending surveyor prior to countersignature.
4:01
